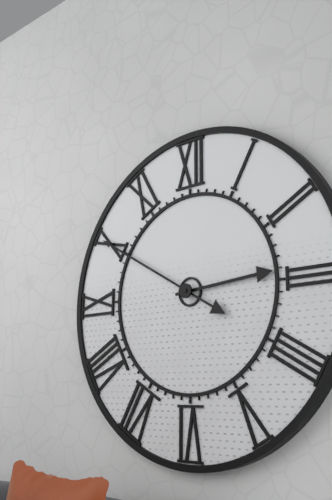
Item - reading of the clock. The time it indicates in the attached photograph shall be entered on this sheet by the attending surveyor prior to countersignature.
2:50
